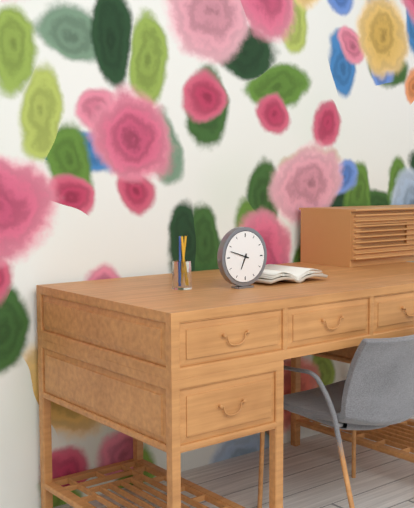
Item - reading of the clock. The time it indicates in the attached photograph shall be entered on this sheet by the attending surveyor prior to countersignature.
6:48
